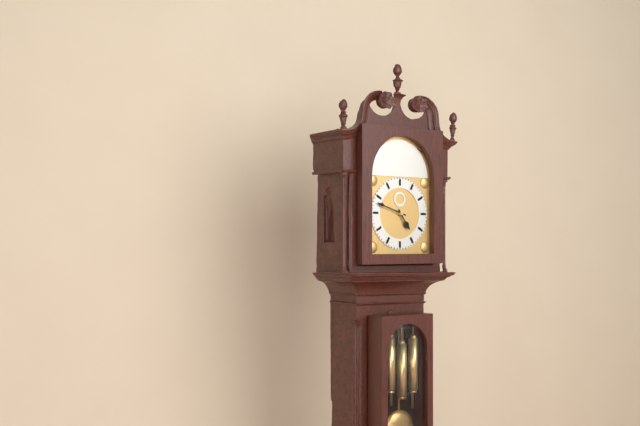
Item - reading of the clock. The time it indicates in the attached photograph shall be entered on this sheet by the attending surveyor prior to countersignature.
4:48
